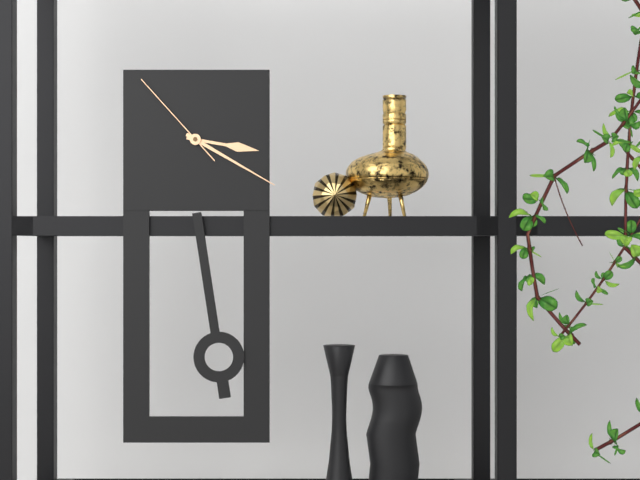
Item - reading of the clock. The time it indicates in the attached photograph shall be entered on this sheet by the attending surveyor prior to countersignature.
3:20:53
